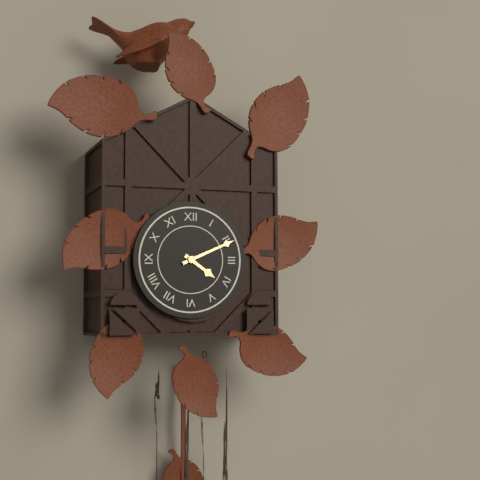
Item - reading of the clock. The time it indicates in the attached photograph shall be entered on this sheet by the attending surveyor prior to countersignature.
4:11
